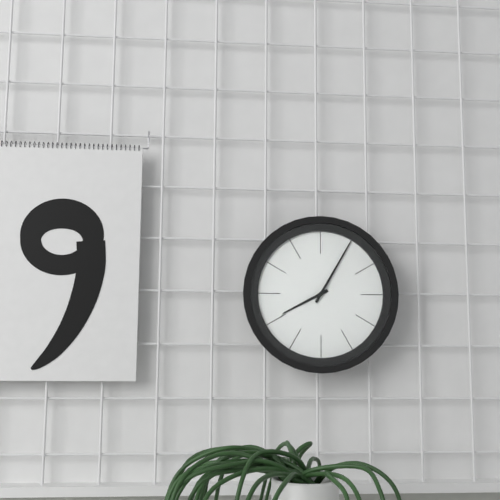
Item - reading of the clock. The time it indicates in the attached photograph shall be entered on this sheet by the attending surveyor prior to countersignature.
8:05
